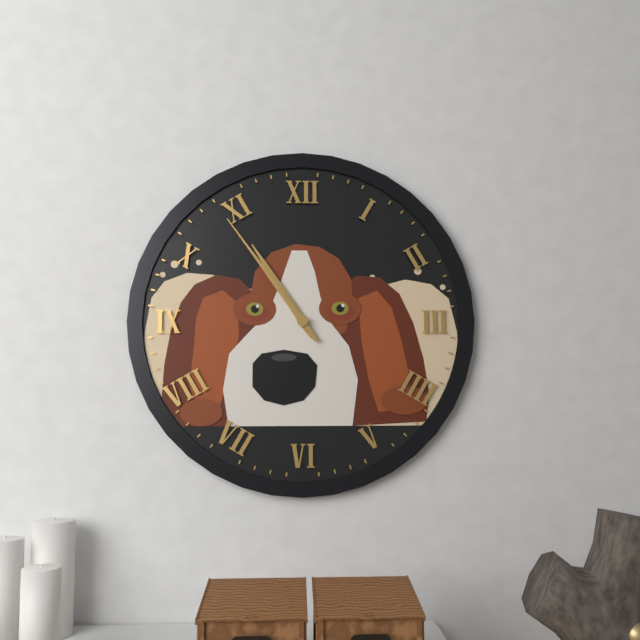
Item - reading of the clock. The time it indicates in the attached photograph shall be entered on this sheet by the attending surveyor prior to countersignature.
10:54
